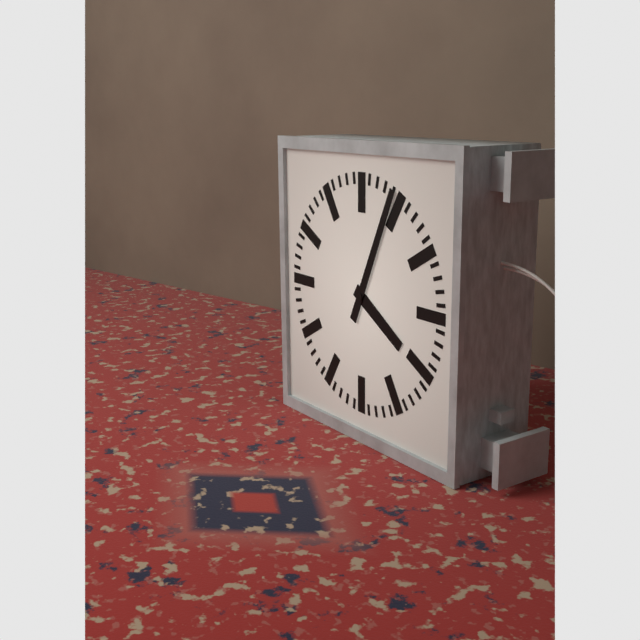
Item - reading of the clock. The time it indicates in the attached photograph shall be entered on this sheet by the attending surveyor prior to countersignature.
4:04
